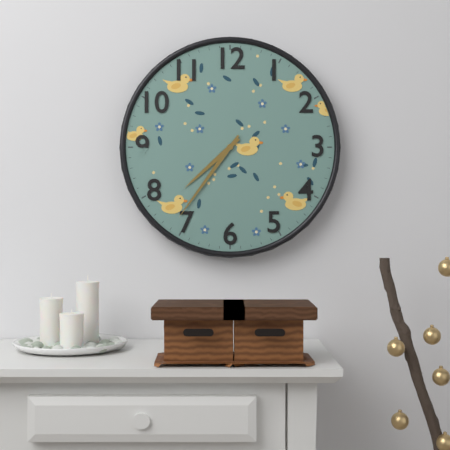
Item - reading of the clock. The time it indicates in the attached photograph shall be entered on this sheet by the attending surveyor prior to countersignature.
7:36
